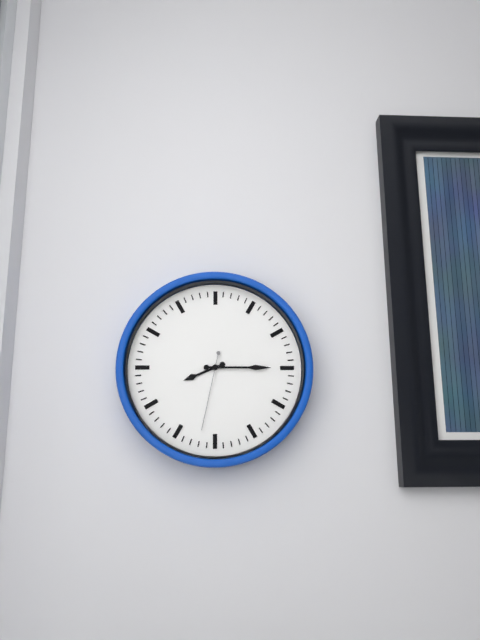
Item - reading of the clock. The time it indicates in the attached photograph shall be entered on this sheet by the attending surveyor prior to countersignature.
8:15:32
